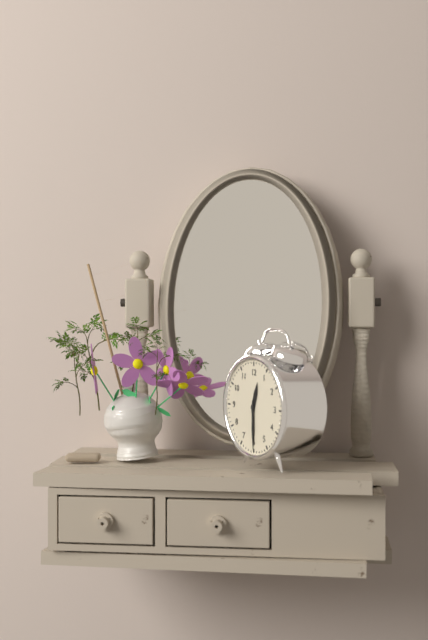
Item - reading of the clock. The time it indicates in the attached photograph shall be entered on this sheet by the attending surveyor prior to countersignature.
12:30
